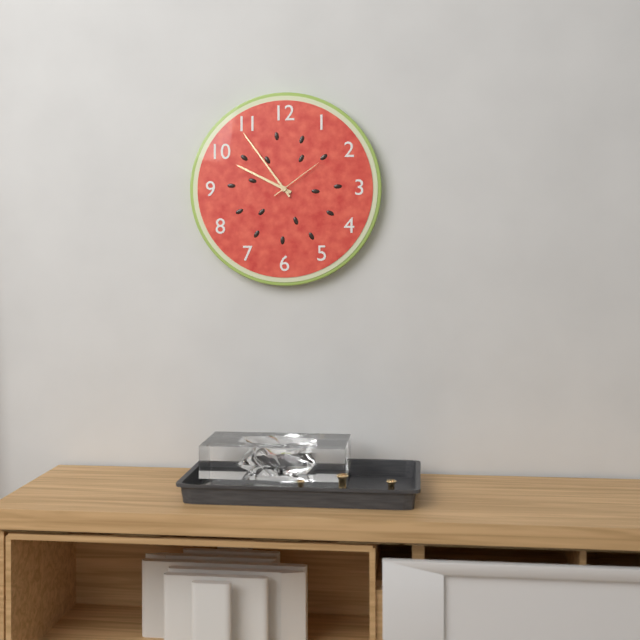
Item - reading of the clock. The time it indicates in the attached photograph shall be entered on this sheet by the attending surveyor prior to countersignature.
9:54:09
